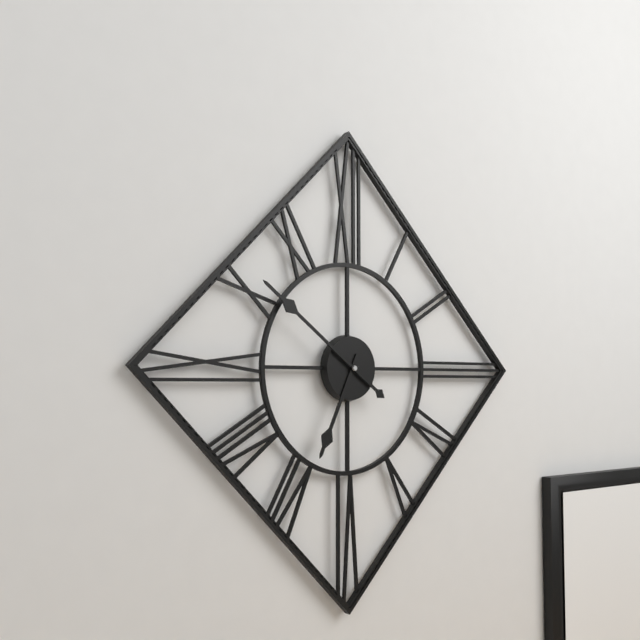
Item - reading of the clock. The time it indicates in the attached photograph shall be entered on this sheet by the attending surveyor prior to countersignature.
6:51
